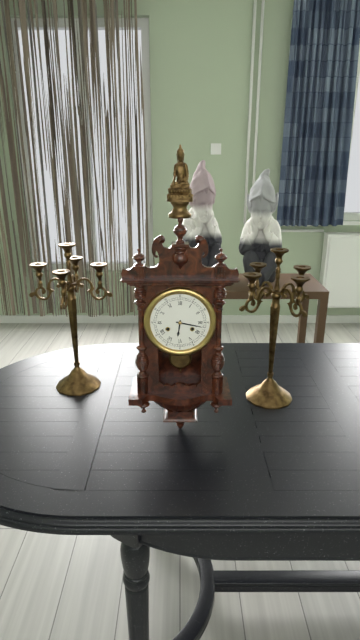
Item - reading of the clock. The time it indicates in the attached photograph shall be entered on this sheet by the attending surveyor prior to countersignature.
6:17
